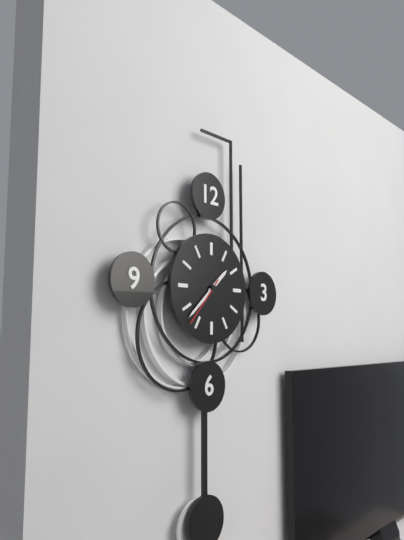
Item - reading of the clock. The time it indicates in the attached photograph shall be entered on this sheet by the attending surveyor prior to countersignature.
1:38
